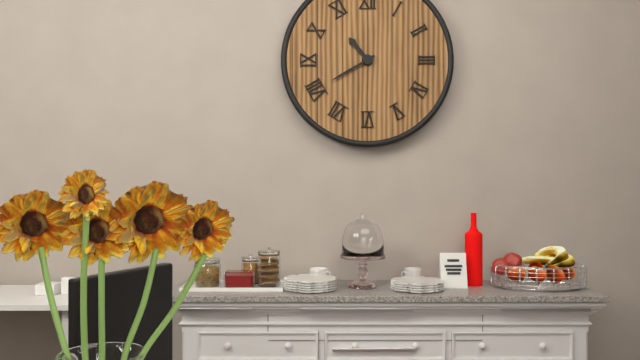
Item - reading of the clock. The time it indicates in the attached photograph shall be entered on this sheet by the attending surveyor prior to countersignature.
10:40
